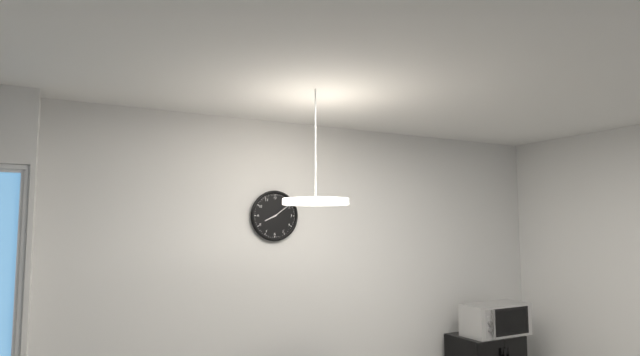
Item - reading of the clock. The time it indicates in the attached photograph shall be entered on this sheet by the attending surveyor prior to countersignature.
8:09
